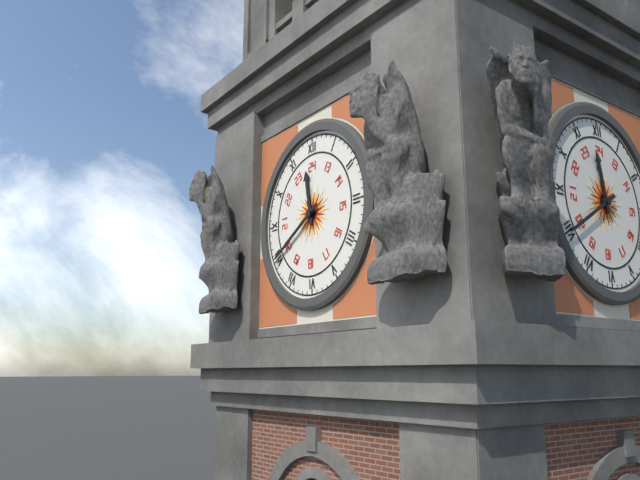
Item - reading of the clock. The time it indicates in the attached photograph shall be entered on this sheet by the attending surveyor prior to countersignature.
11:40
